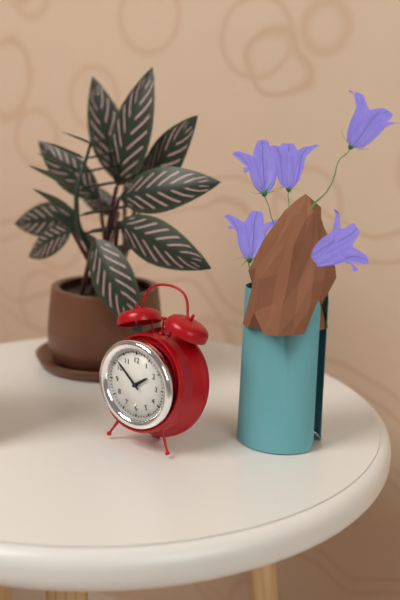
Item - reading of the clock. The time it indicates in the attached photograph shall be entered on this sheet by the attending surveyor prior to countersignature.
1:52
